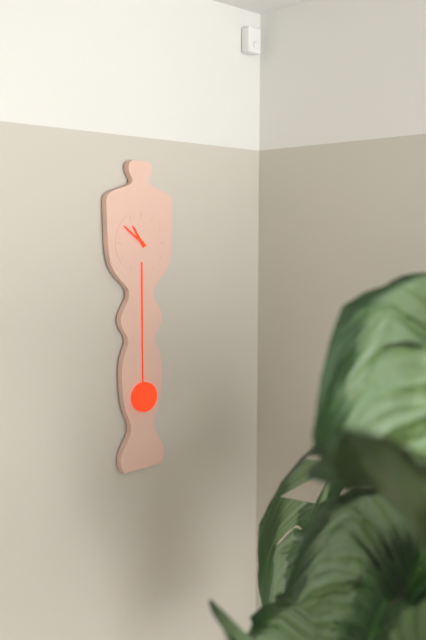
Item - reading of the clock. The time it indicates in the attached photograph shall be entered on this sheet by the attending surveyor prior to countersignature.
10:51
